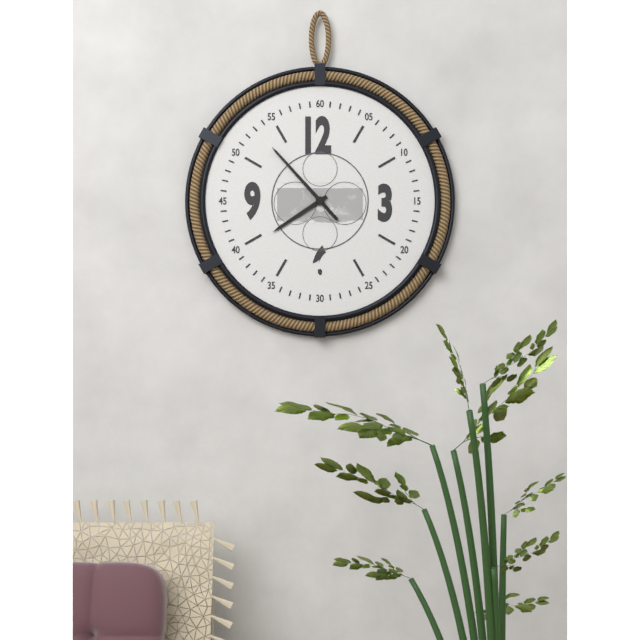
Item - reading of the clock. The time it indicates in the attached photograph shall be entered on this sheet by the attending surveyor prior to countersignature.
7:53
